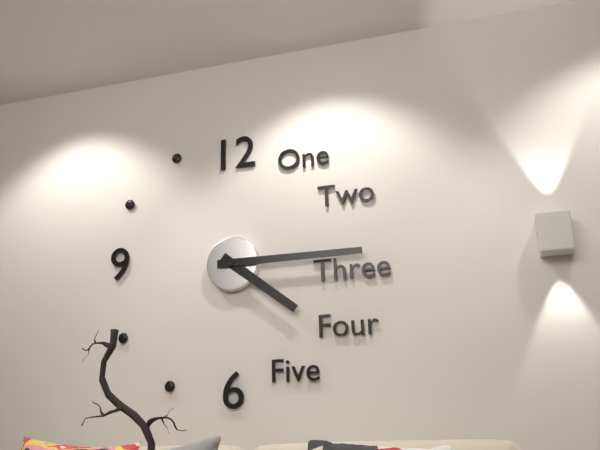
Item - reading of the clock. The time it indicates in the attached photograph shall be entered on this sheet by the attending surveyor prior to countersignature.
4:15
